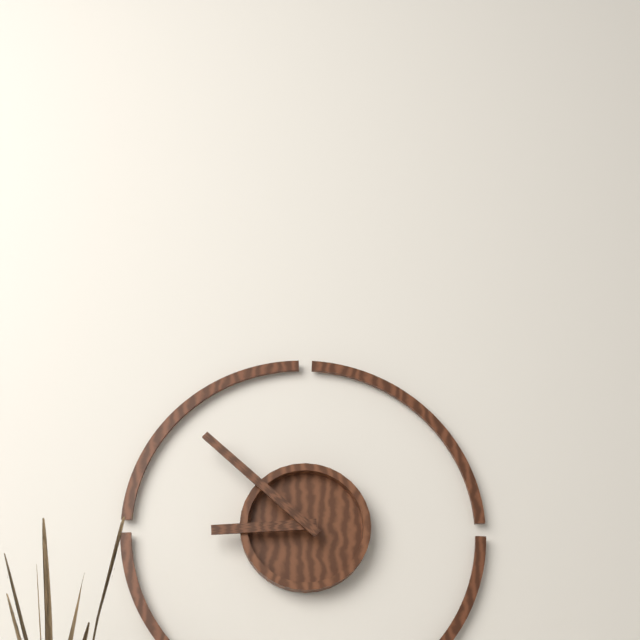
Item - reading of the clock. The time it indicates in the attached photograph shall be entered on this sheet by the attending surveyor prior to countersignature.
8:52
